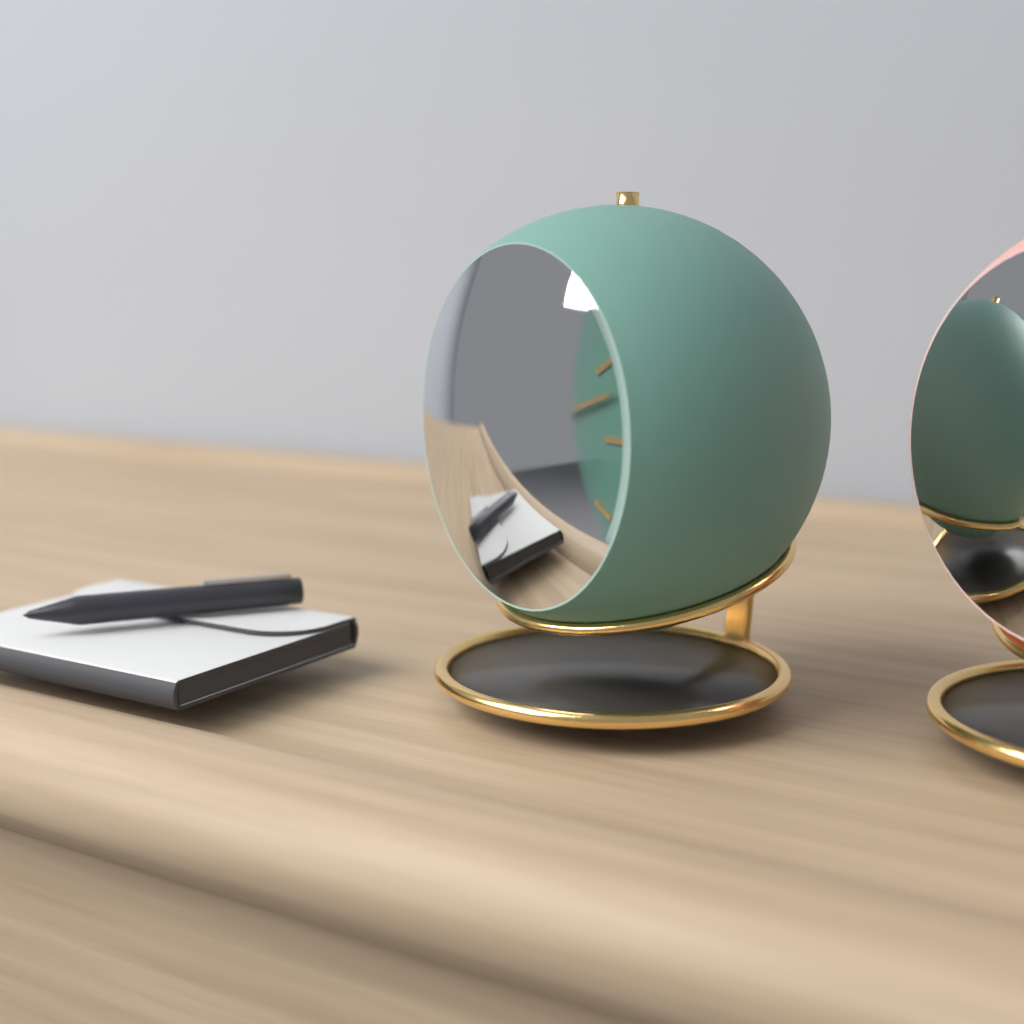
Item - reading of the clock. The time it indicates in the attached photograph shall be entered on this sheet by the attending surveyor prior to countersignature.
10:12:24
